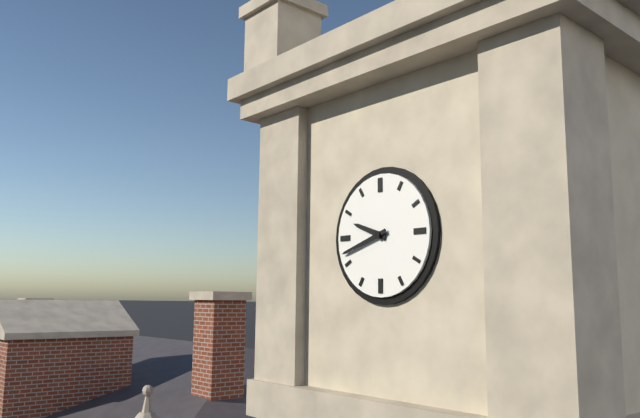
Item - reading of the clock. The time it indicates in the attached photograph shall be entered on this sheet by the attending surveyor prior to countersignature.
9:42
